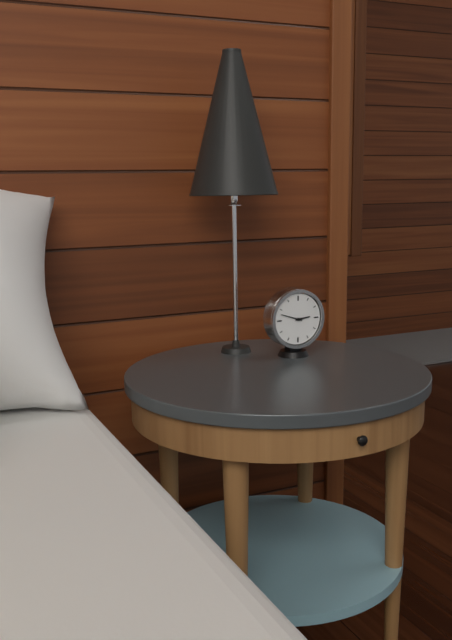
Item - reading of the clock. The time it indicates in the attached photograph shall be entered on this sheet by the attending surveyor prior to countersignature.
2:48
